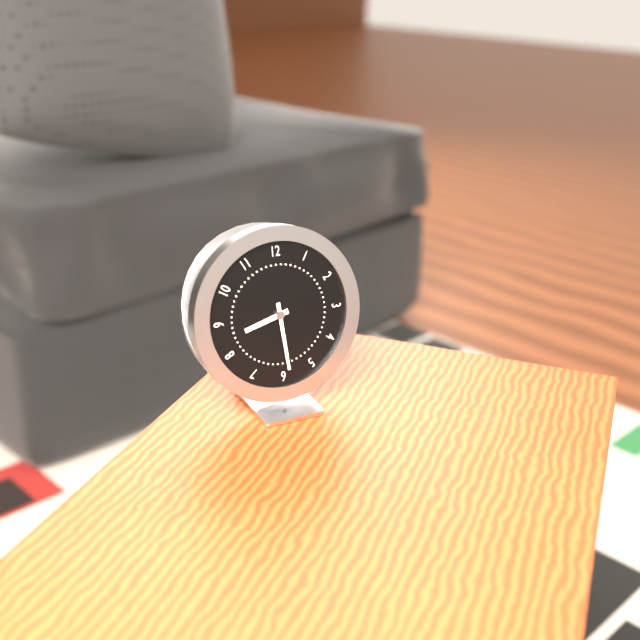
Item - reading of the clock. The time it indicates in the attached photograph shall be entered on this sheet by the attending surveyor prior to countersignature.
8:29
